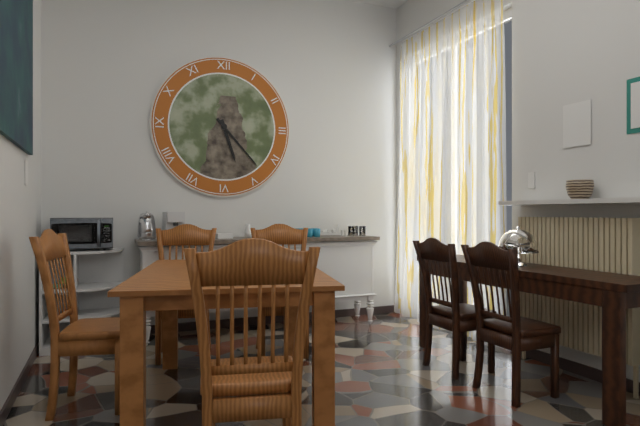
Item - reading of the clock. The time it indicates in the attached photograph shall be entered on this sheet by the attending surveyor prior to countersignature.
5:23
